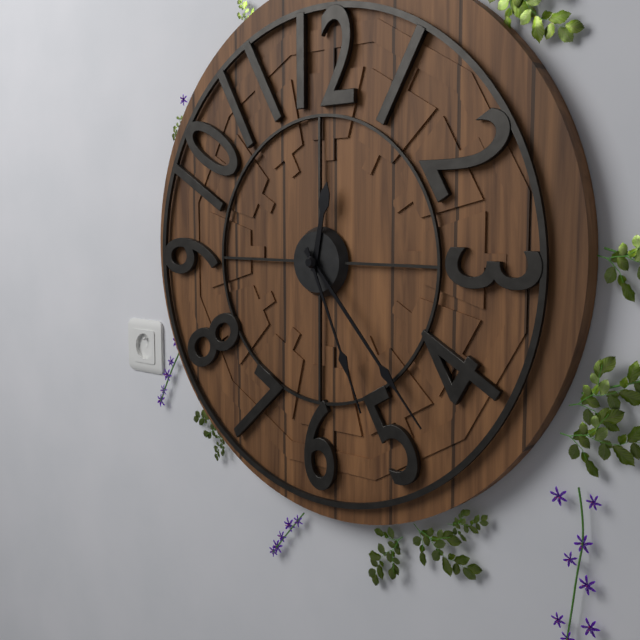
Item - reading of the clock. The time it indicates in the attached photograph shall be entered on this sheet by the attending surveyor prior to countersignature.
12:23:26
